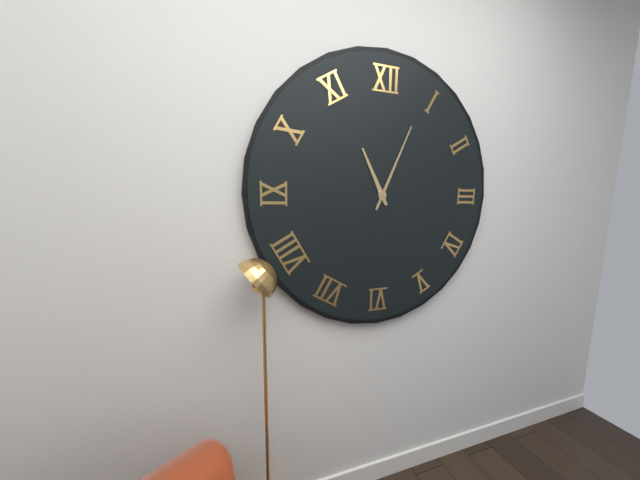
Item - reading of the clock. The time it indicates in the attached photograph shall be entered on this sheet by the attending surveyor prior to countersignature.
11:04
